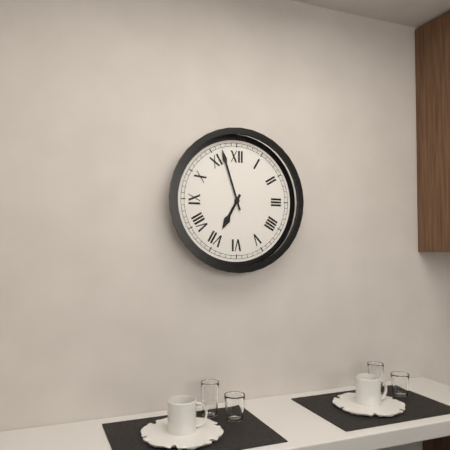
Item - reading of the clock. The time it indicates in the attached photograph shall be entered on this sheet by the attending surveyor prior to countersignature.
6:57
